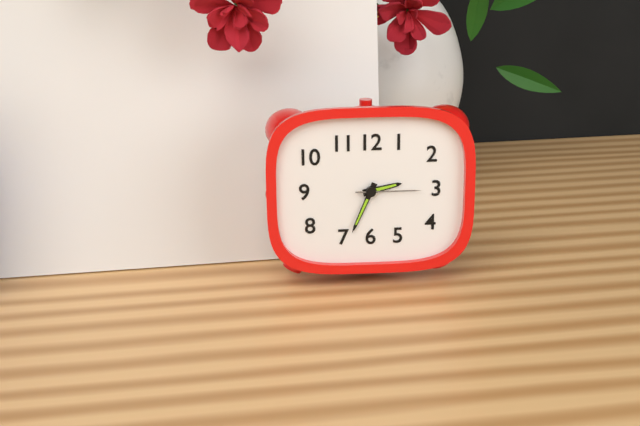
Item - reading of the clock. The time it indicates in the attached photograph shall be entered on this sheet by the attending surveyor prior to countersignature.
2:34:15
